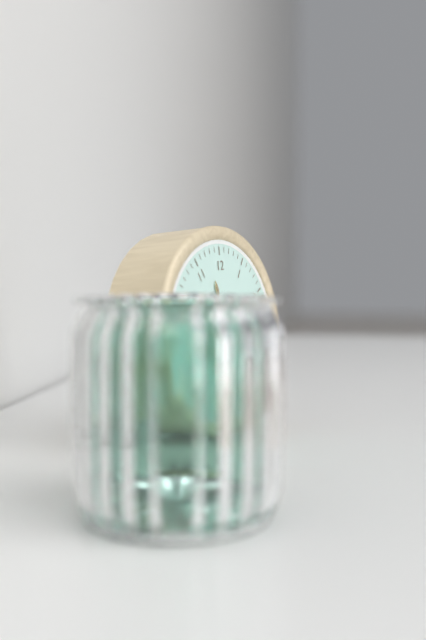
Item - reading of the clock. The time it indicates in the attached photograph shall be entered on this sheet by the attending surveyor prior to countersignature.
11:33
